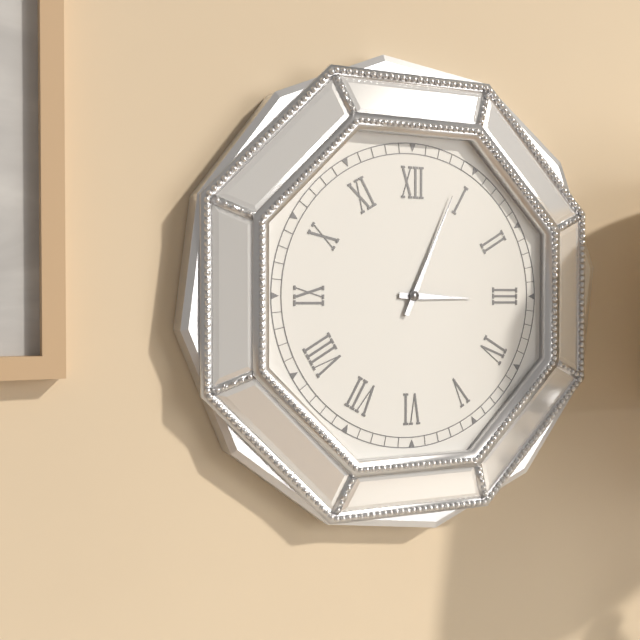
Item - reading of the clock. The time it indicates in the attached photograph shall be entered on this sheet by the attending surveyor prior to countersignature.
3:04
